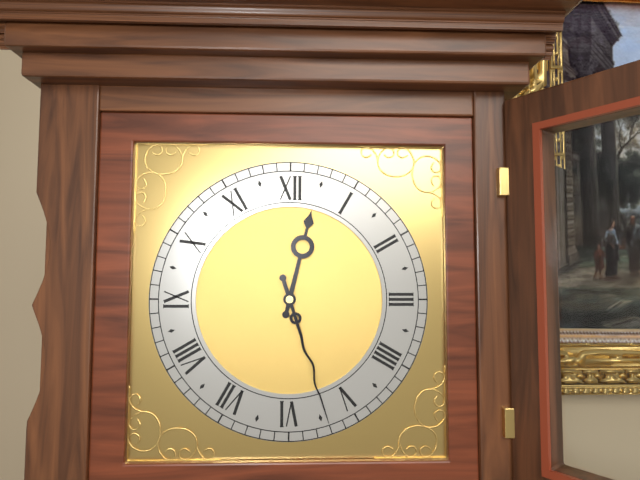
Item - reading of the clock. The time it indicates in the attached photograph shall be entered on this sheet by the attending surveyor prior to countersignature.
12:27
